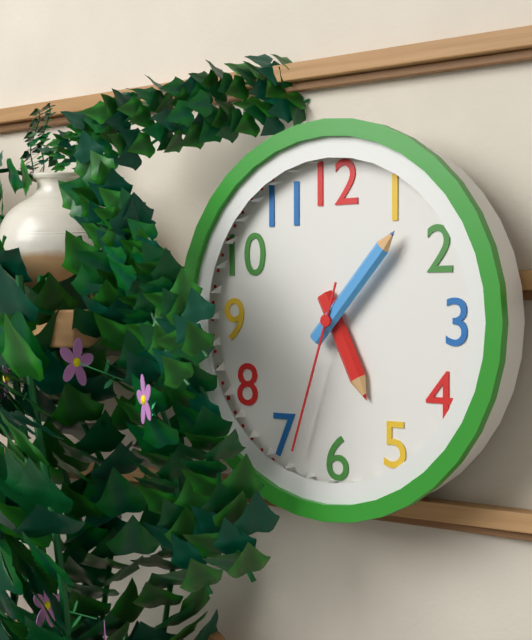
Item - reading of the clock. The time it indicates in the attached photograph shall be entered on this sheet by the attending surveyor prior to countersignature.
5:07:33
